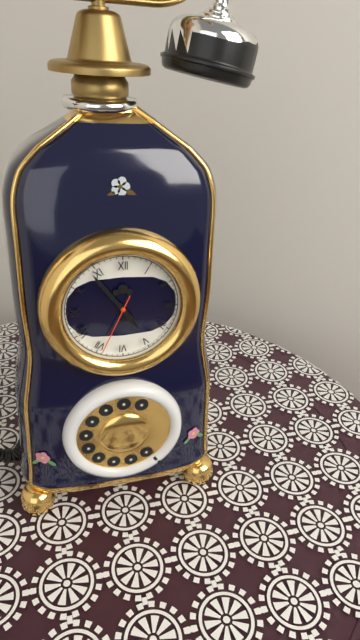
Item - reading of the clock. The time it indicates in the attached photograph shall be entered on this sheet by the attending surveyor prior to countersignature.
4:54:34
